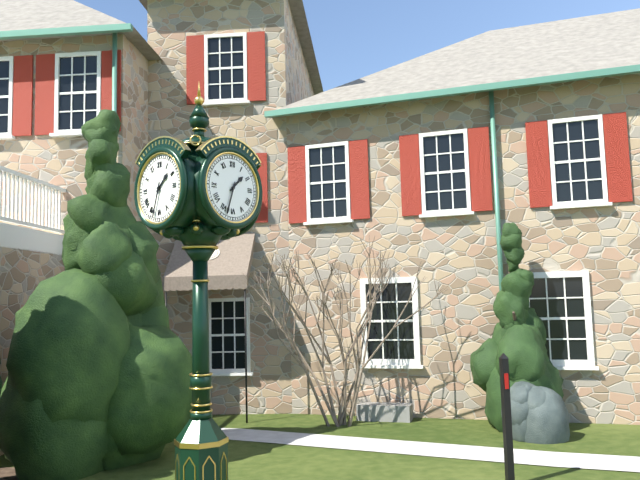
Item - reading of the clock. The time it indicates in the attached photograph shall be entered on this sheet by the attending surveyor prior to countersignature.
1:33
